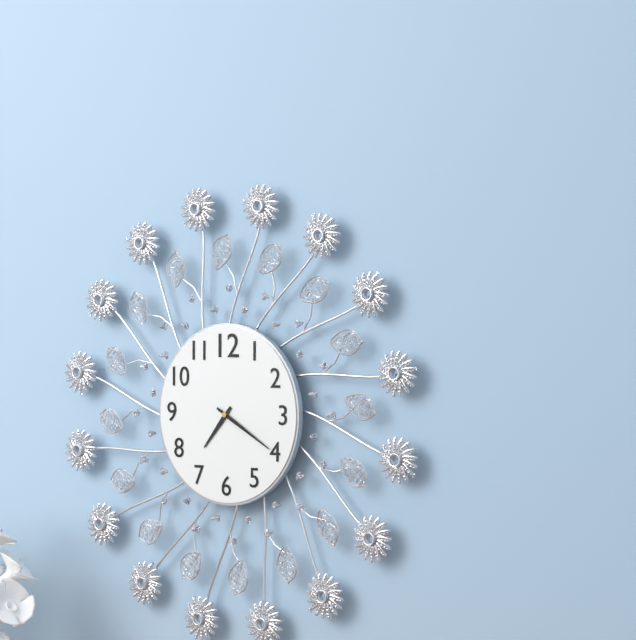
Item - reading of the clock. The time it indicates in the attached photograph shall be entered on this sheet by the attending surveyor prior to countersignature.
7:20
